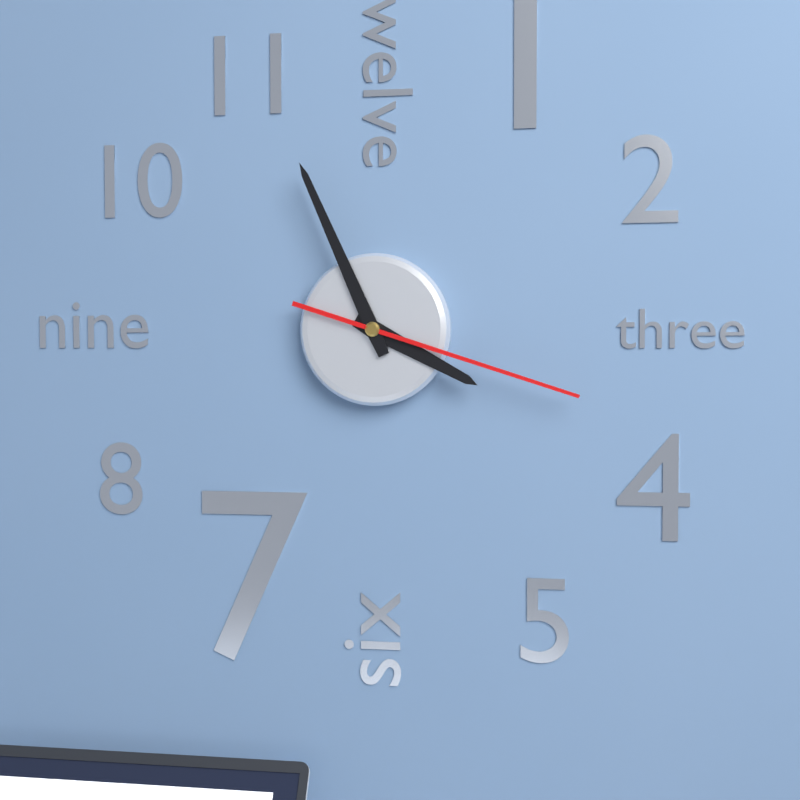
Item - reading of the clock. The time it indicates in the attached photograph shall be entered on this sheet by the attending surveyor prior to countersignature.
3:56:18
